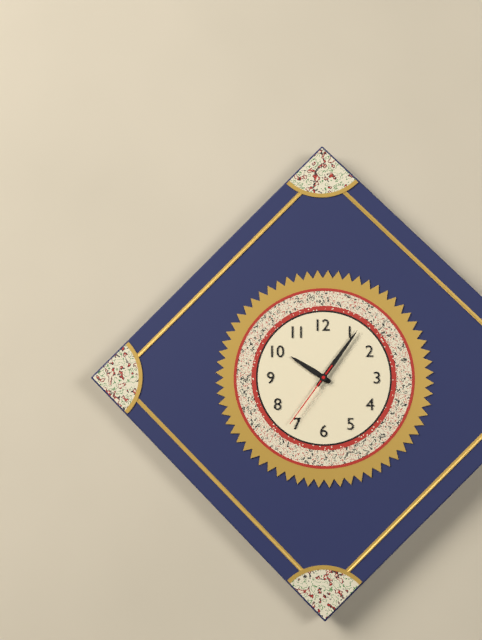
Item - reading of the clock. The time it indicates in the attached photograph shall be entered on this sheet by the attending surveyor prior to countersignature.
10:06:36
